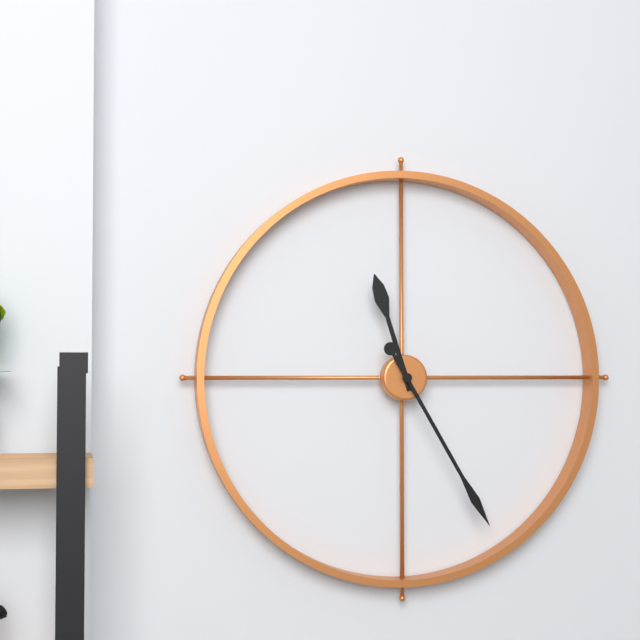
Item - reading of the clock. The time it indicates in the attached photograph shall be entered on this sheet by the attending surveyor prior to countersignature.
11:25
